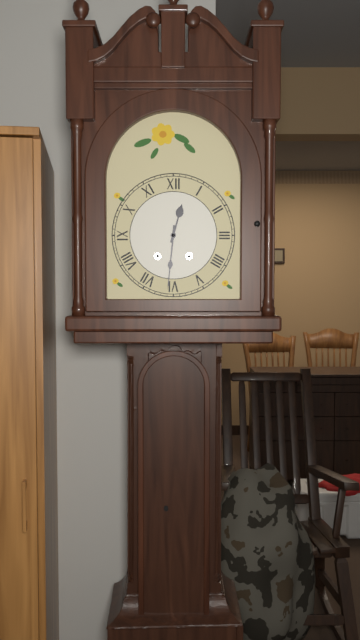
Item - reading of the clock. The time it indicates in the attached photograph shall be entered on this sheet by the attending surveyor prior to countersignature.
12:31
